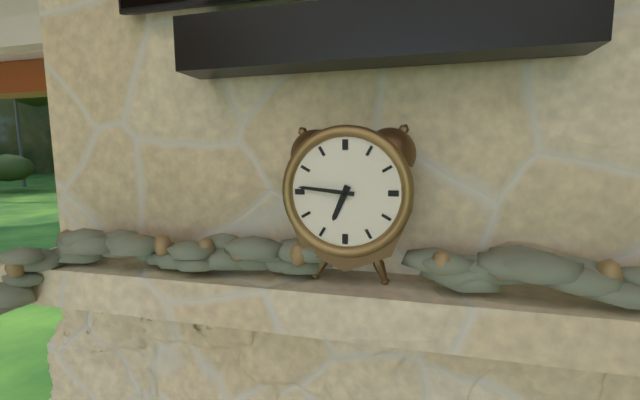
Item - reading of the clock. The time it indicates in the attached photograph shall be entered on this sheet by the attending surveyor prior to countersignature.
6:46
